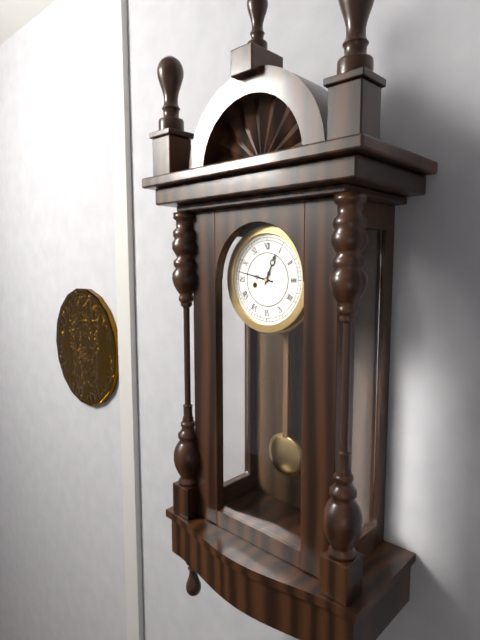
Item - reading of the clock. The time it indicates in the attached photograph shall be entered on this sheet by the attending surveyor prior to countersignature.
12:47
